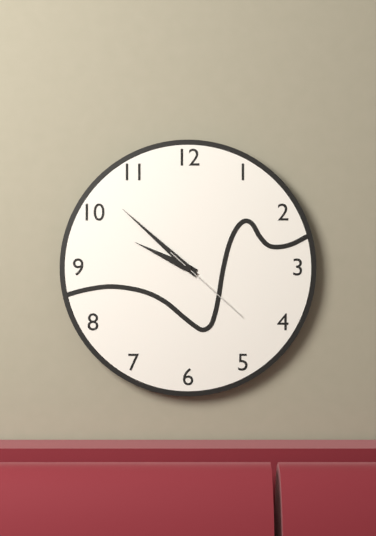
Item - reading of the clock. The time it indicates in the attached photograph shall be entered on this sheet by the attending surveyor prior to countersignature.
9:52:22
